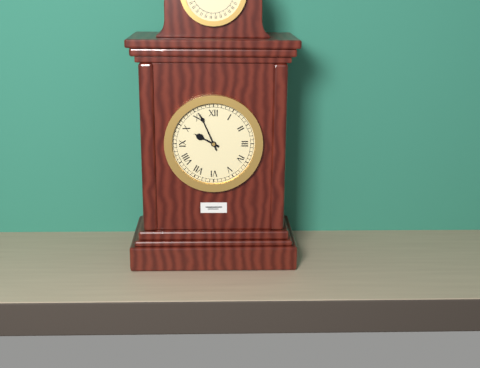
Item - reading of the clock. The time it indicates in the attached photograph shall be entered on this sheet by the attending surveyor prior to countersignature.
9:56
